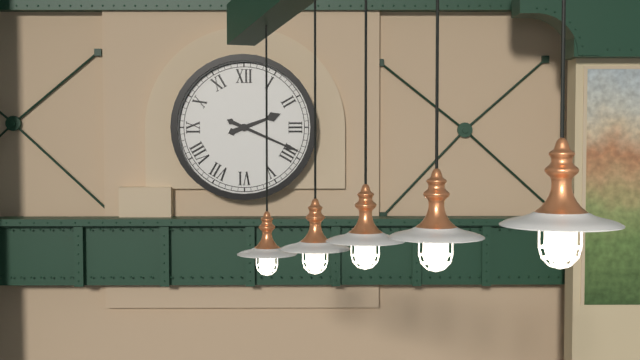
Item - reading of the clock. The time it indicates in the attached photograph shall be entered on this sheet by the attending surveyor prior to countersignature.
2:19
